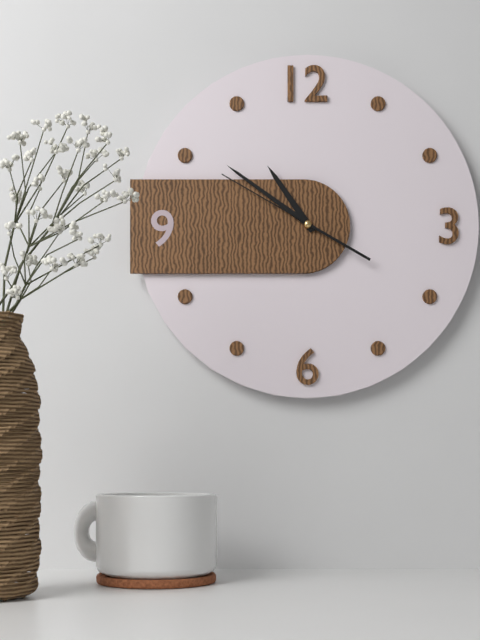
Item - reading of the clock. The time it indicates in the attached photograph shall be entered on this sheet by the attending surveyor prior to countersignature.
10:51:50
